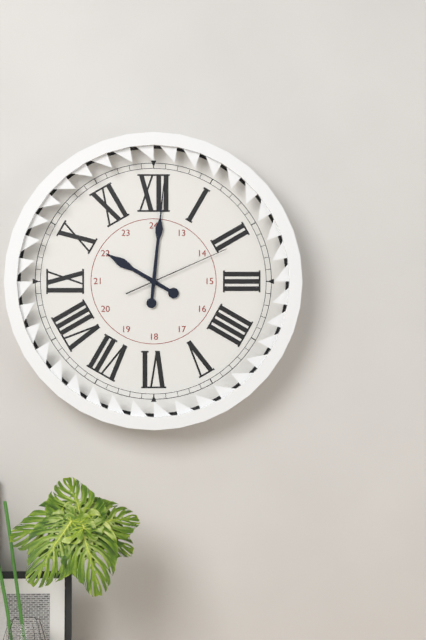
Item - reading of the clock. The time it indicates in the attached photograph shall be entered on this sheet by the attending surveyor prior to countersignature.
10:01:11
